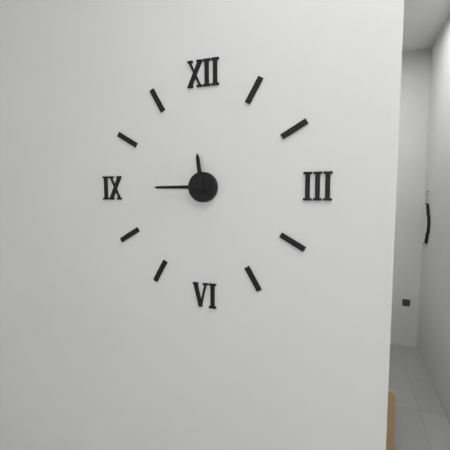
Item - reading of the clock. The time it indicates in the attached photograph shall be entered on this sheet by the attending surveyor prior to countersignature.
11:45
